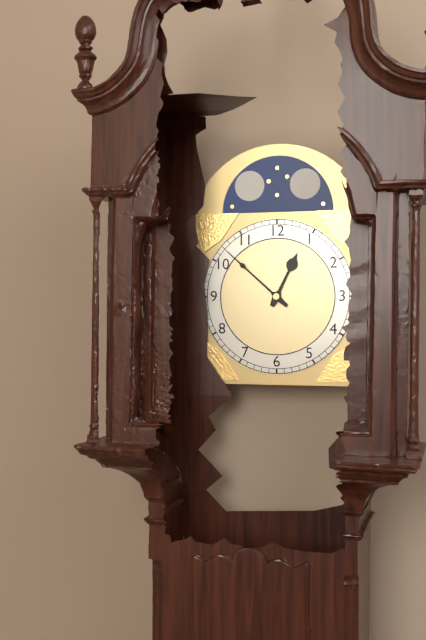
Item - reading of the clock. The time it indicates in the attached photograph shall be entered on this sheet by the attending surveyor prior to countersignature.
12:52
